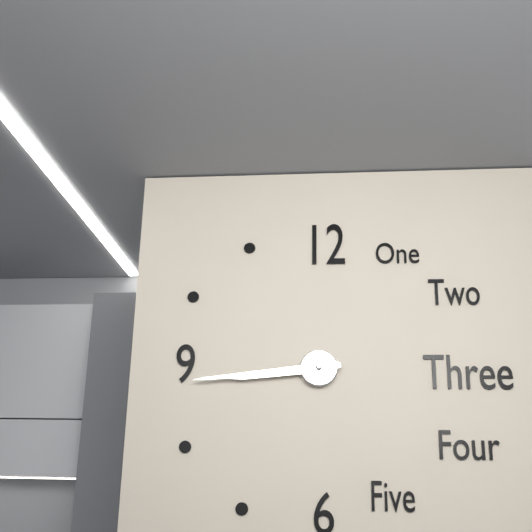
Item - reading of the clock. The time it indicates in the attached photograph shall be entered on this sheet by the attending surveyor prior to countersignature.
8:44
